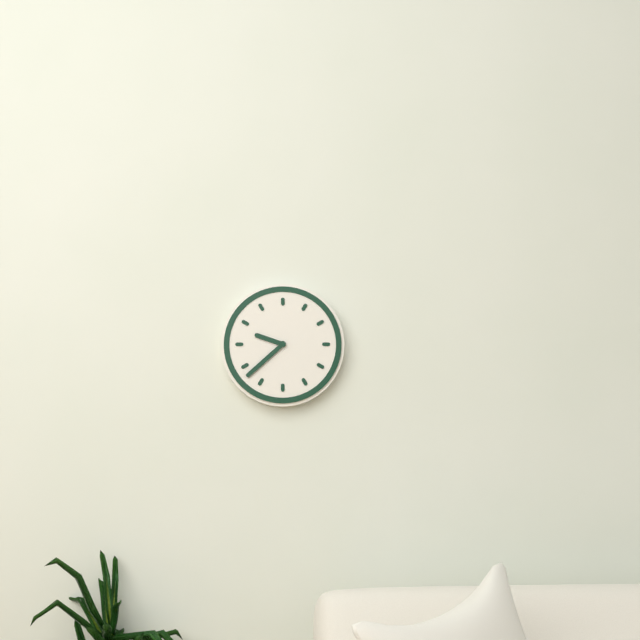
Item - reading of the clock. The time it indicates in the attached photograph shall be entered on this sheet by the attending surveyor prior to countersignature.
9:38
